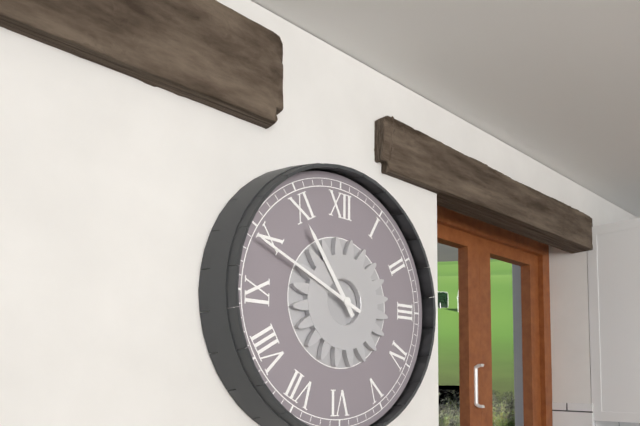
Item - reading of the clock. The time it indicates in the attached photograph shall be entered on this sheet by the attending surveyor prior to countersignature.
10:49
